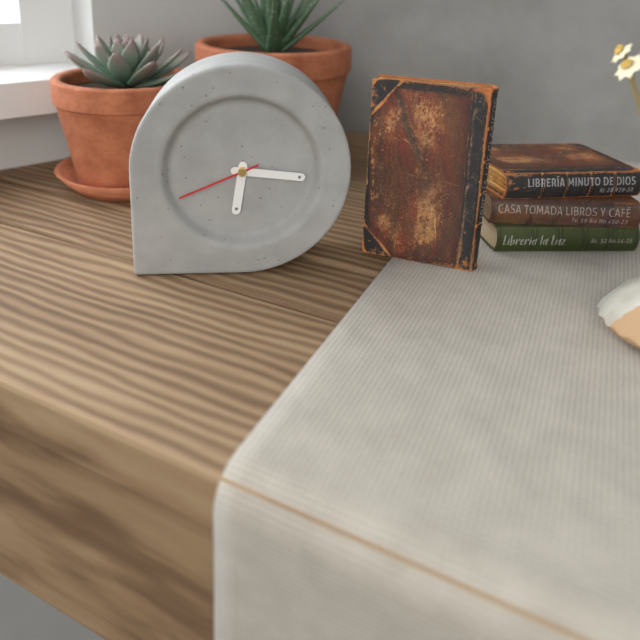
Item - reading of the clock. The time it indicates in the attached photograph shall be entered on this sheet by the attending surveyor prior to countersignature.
6:16:41
